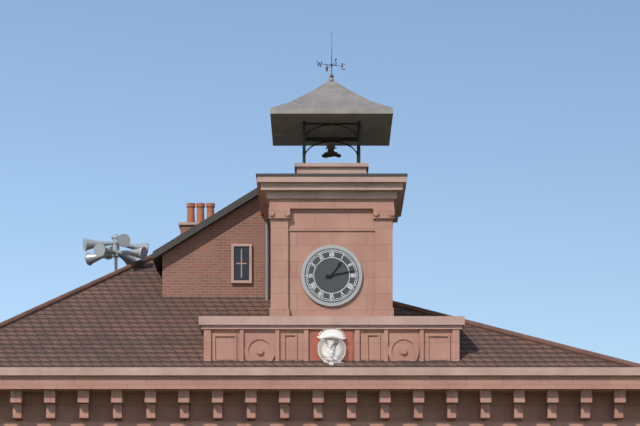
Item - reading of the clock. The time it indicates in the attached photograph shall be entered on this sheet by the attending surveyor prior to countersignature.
1:13
